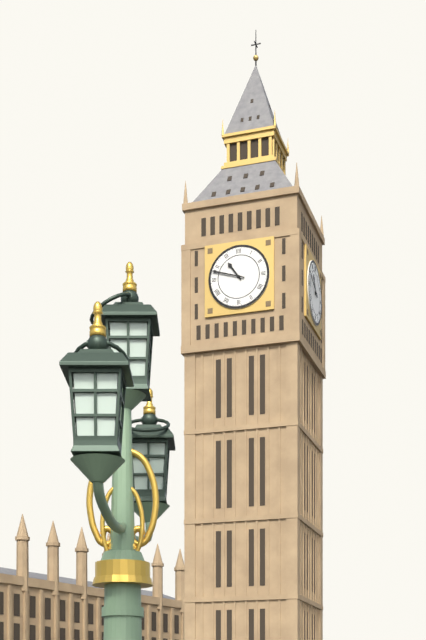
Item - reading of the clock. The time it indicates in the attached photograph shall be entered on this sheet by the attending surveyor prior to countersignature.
10:48
